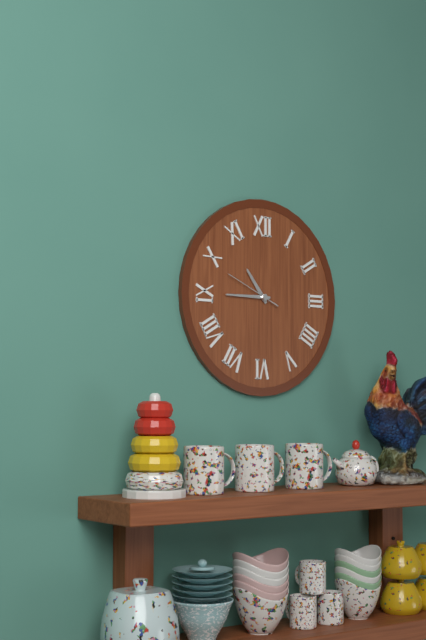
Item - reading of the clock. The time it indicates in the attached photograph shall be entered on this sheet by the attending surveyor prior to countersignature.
10:45:49
